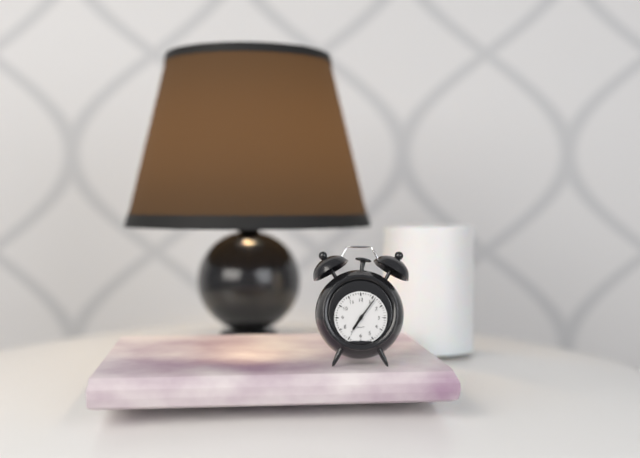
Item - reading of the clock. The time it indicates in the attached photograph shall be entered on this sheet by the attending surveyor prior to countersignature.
7:06
